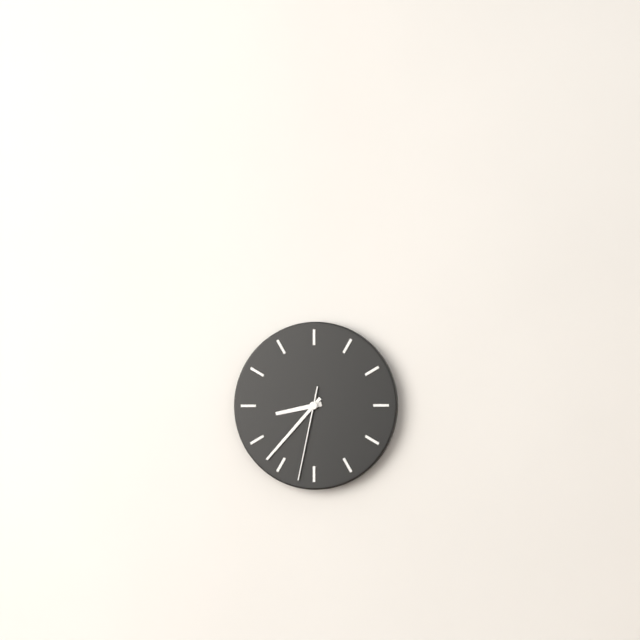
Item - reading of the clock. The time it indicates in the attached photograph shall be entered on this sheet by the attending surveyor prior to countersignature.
8:37:32
